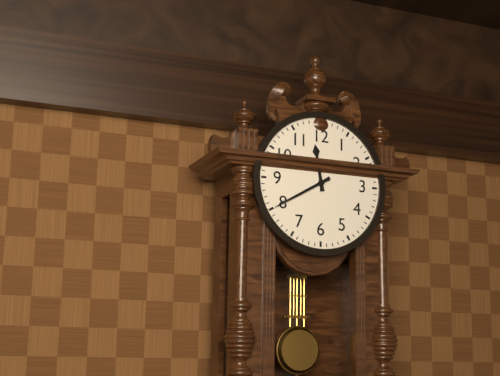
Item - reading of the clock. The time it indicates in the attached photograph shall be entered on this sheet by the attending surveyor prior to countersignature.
11:40
